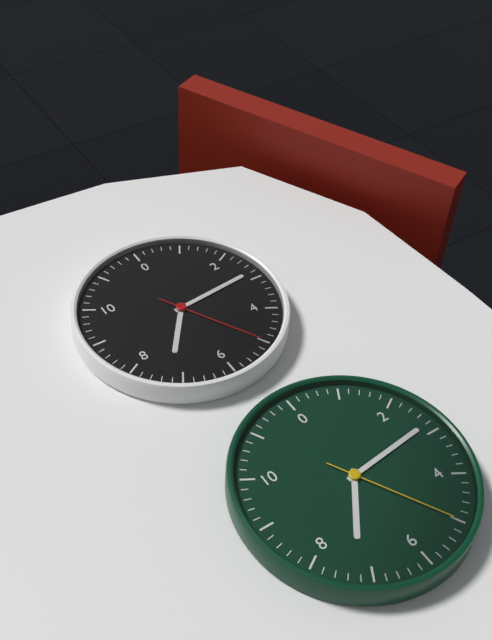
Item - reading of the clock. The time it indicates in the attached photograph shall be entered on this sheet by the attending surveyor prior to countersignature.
7:14:25
